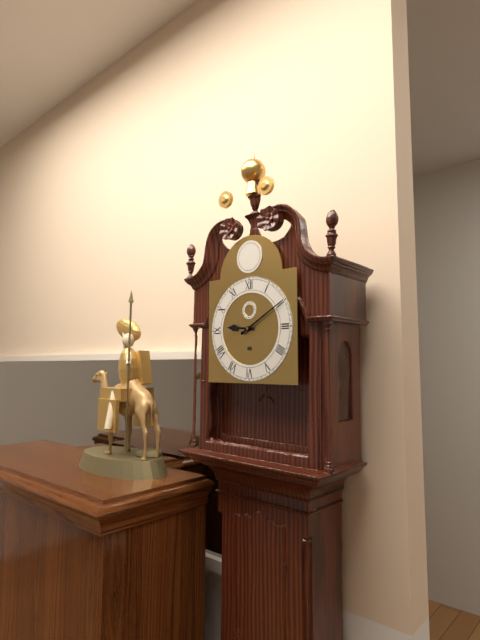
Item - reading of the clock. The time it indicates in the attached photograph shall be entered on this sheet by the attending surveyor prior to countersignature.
9:10
